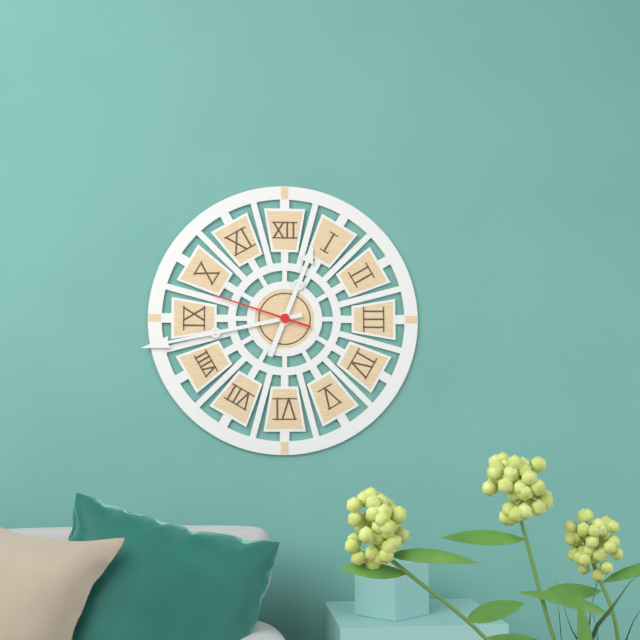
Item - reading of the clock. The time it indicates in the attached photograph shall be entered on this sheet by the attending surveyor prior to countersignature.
12:43:48
